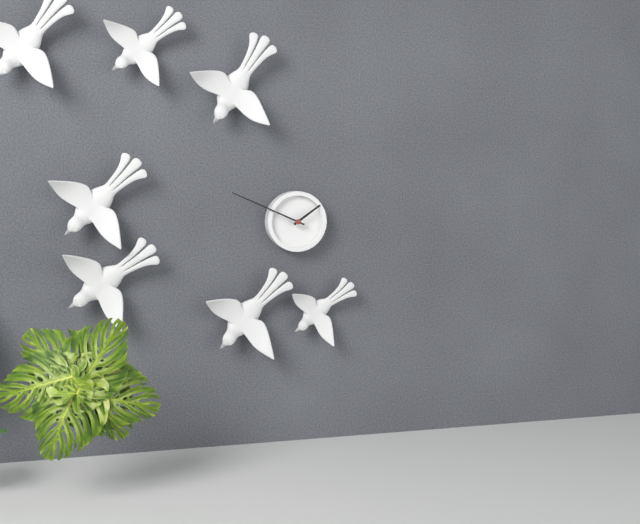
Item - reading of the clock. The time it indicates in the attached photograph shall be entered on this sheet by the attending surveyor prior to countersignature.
1:49
